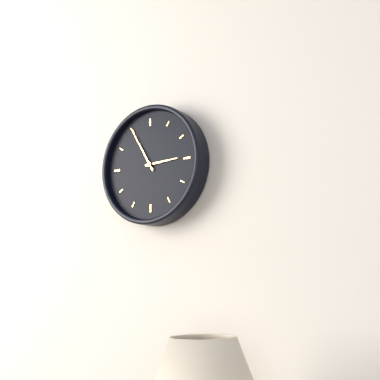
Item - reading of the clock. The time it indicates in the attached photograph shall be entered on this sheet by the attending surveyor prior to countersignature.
2:55
